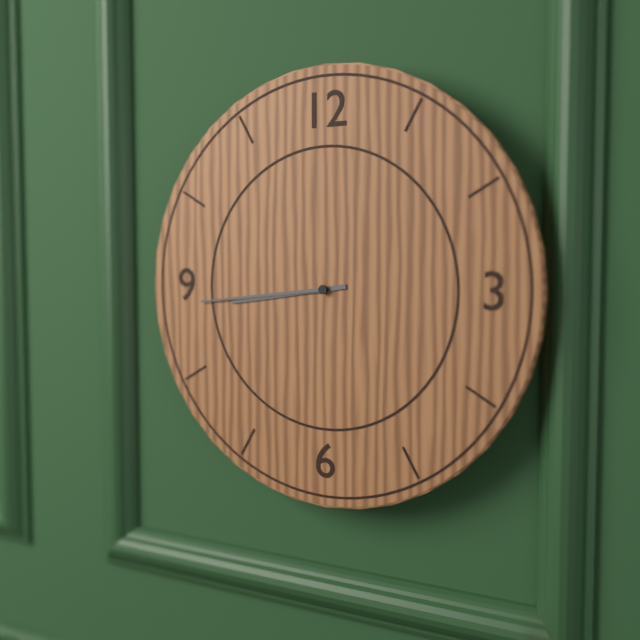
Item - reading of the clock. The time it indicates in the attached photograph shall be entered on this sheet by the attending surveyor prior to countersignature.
8:44
